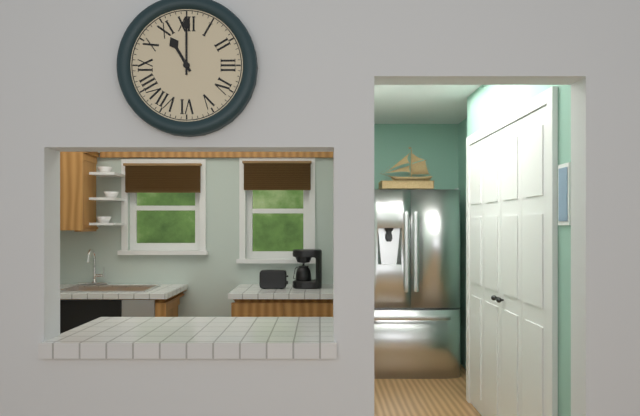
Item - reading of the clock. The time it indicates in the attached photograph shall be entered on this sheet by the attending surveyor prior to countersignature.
11:00
